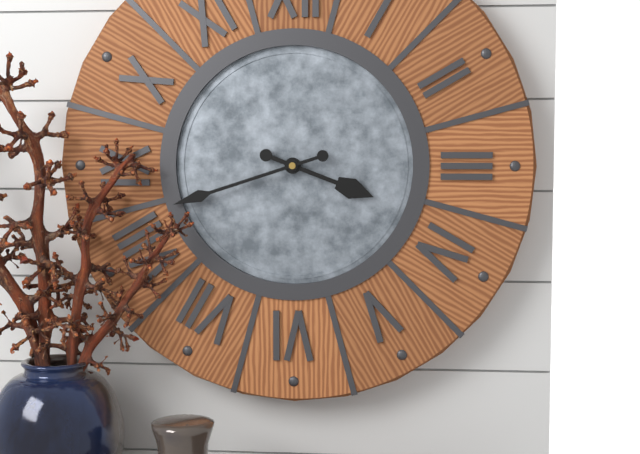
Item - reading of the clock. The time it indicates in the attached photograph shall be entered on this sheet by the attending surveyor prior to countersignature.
3:42
